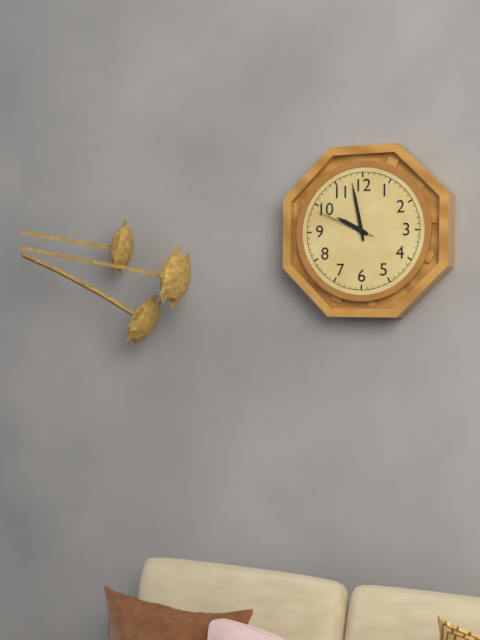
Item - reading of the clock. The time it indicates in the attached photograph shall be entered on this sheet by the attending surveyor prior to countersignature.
9:58:49
